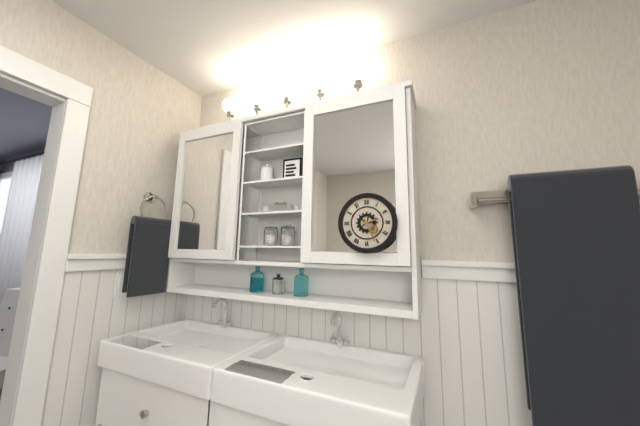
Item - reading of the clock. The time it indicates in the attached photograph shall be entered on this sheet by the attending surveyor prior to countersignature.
2:26
